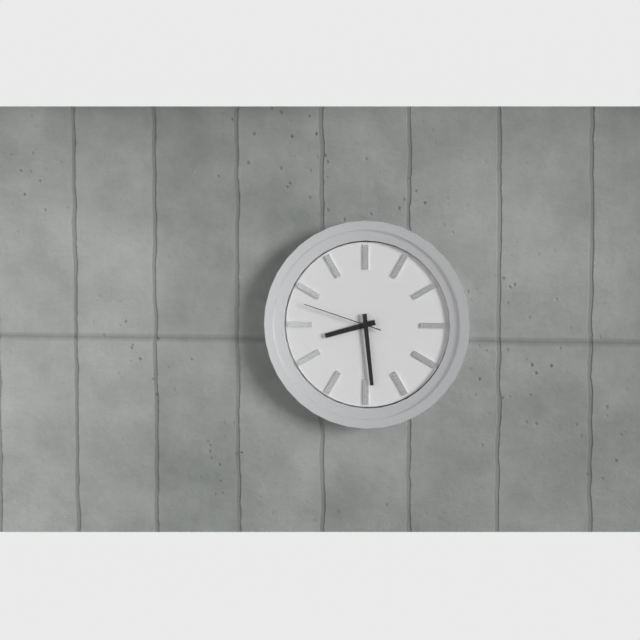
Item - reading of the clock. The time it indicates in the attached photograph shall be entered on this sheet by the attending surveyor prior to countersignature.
8:29:48
